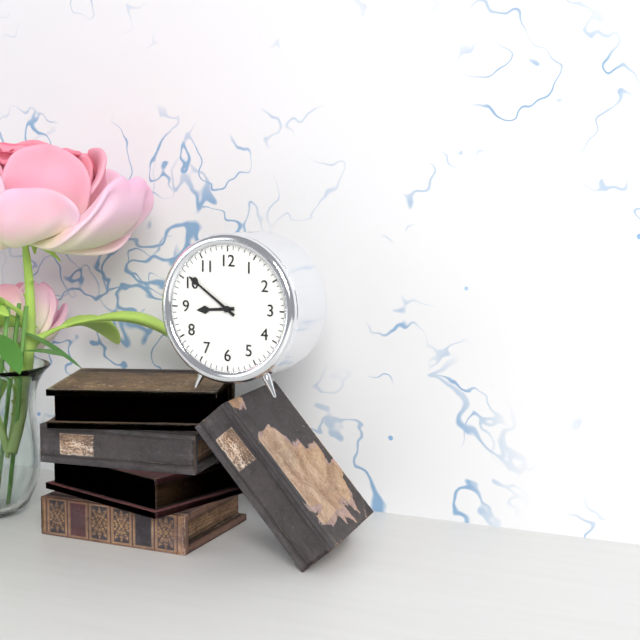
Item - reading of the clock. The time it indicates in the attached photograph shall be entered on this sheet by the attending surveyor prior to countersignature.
8:51
